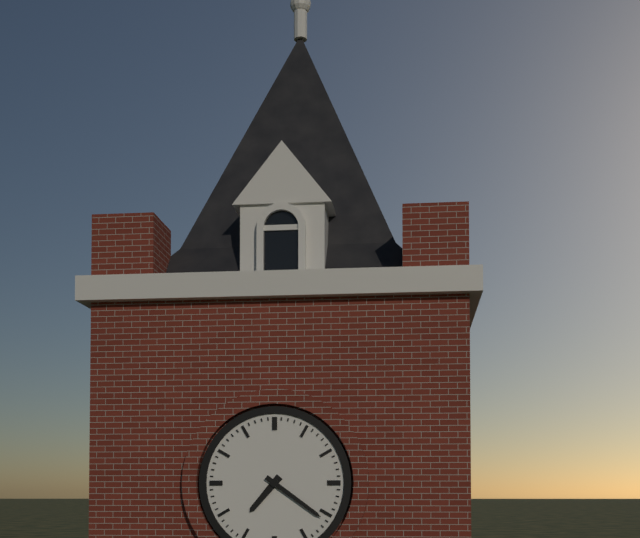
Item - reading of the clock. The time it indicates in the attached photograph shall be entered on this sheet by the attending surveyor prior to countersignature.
7:21
